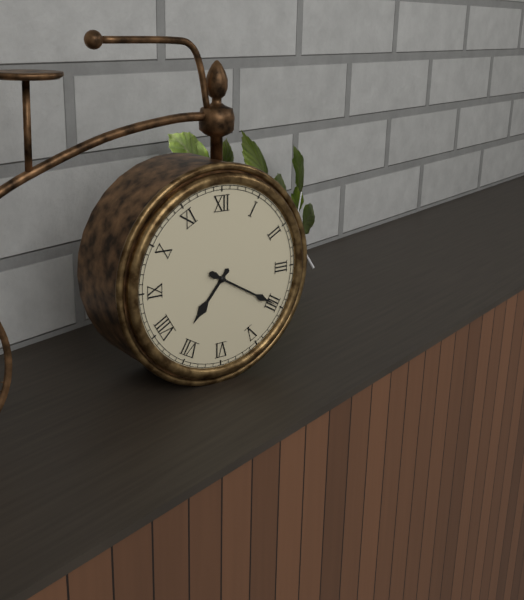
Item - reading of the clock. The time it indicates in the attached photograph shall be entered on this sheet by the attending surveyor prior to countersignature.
7:20
